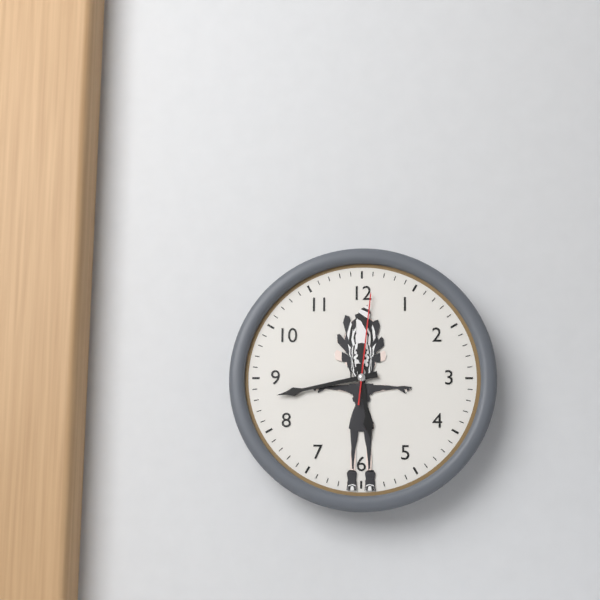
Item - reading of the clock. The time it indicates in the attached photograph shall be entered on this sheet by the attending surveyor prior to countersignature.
5:43:01
